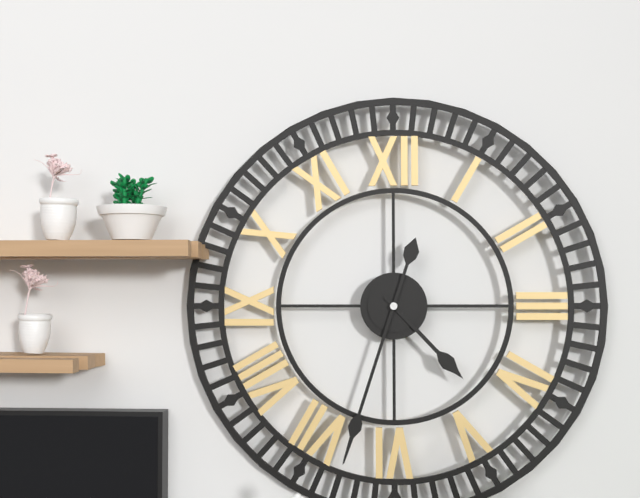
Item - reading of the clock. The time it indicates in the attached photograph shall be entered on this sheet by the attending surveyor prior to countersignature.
4:33
